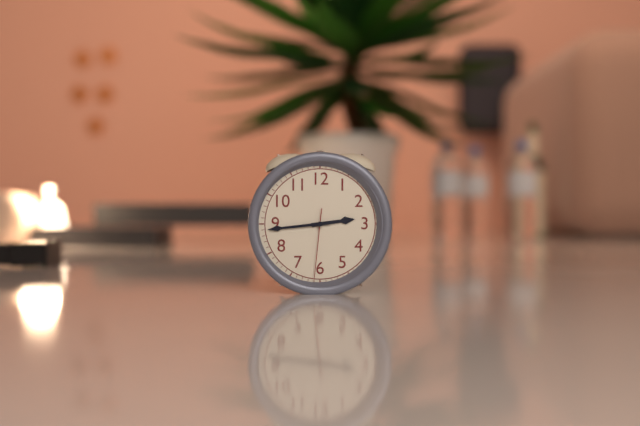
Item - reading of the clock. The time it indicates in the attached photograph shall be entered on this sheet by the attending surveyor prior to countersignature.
2:44:31
